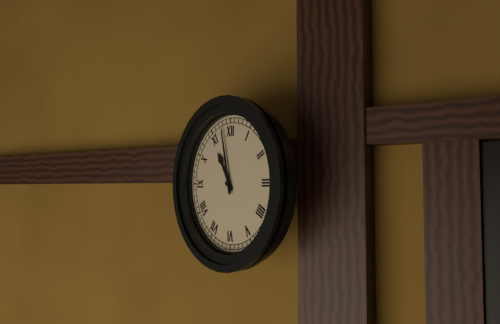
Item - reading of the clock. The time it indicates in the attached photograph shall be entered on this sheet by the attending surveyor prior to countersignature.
10:58
